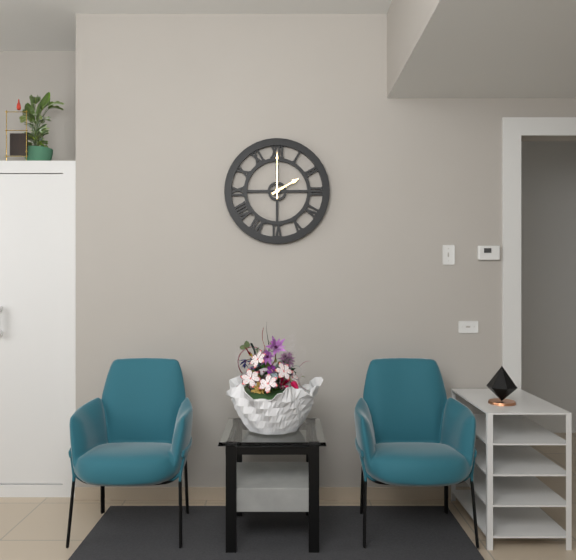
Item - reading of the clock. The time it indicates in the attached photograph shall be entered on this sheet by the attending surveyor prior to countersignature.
2:00
